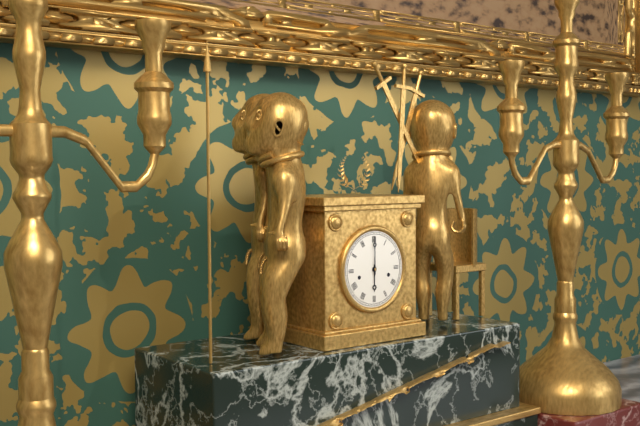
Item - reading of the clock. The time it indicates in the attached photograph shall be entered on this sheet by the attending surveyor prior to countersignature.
6:00
